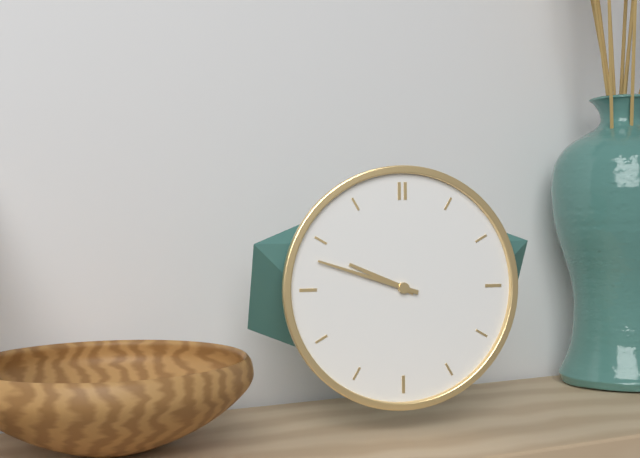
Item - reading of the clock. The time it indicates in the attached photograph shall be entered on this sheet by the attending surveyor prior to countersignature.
9:48
